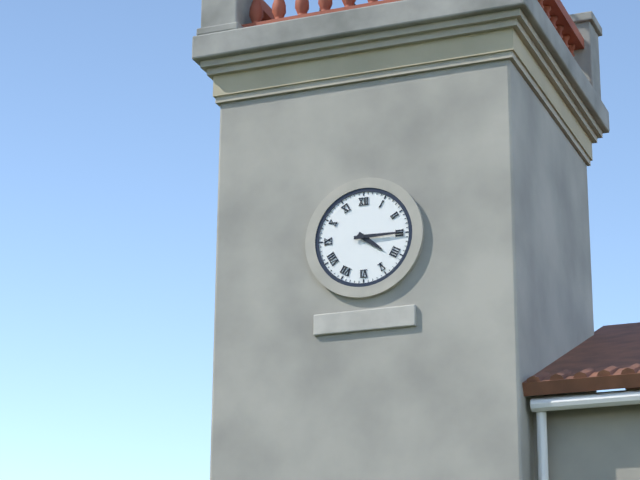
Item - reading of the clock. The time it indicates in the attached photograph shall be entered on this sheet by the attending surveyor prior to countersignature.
4:15
